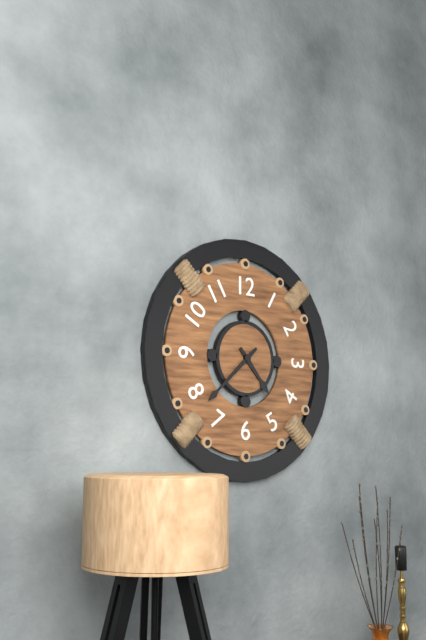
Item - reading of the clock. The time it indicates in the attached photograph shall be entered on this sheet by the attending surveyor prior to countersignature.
4:38
